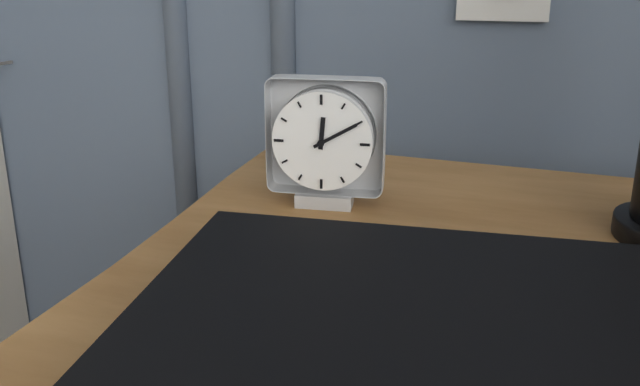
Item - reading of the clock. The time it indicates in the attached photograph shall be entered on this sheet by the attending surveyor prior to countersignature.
12:10
